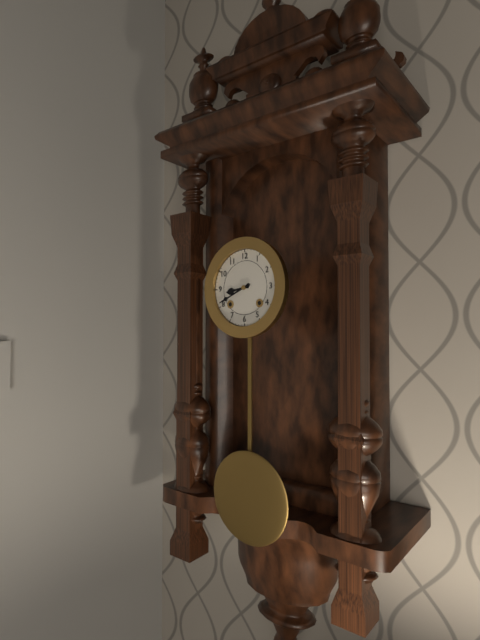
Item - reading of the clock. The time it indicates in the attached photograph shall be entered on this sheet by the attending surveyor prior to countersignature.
8:41
